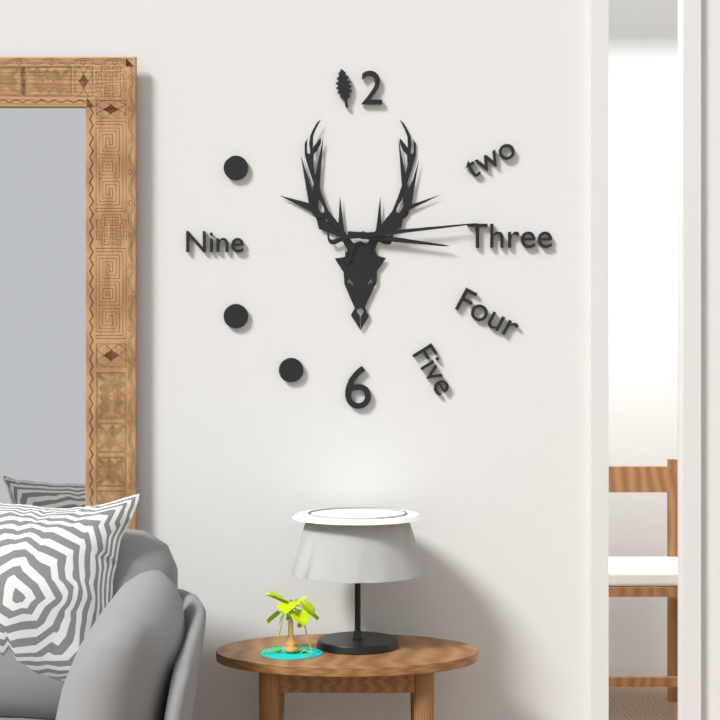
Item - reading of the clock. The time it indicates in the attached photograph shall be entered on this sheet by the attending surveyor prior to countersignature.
3:14
